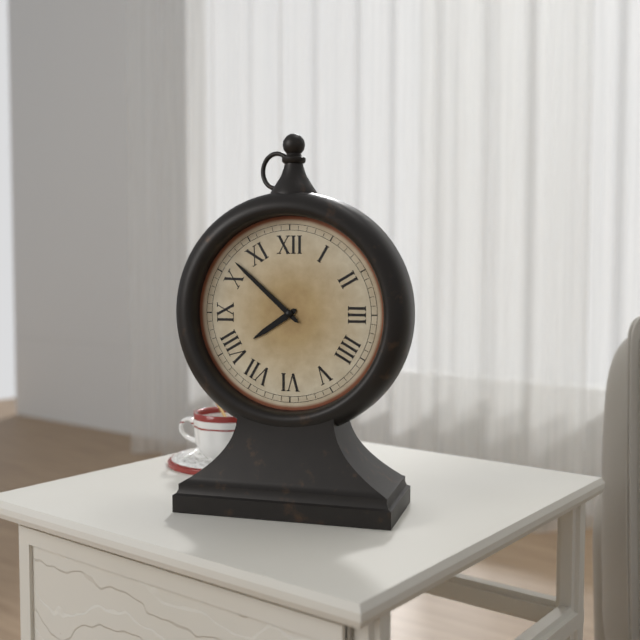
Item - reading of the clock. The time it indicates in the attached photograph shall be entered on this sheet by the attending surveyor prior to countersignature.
7:52
